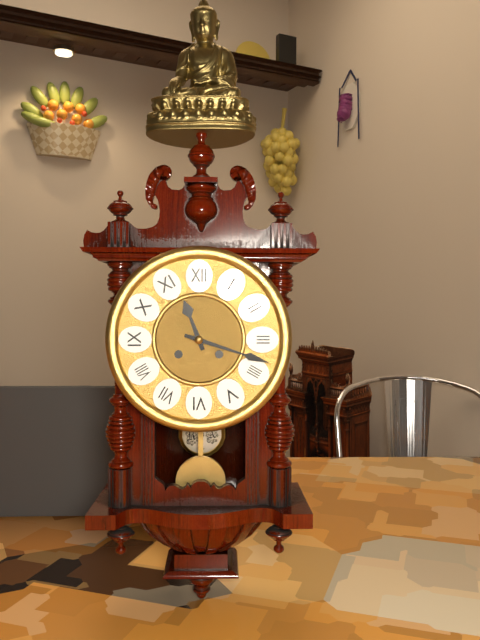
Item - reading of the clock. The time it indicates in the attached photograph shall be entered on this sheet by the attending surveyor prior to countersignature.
11:18
